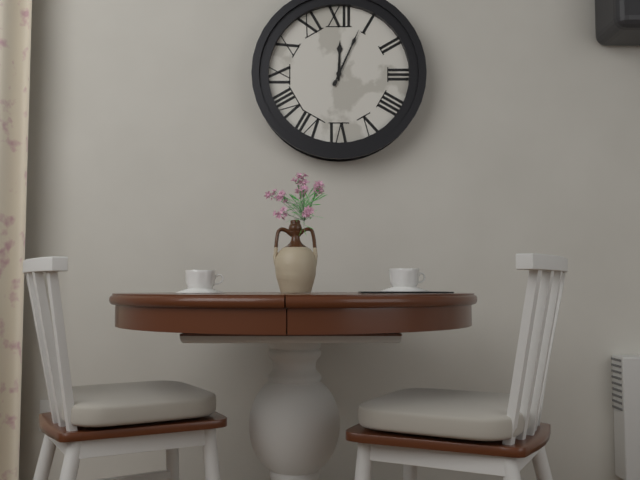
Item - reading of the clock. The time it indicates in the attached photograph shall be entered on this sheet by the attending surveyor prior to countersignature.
12:04
